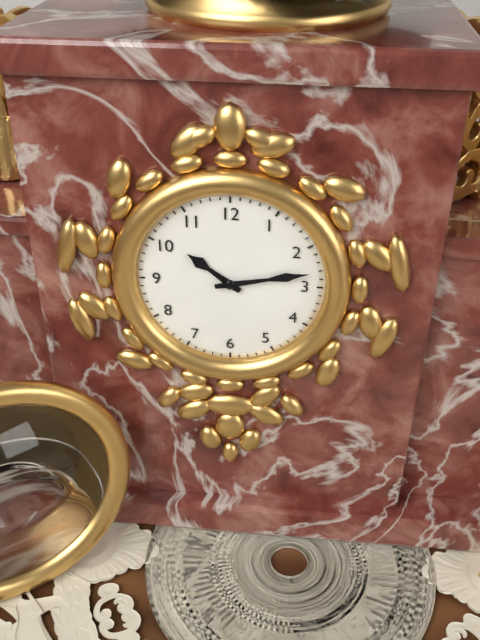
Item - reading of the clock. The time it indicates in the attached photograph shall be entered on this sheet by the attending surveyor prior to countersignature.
10:13
